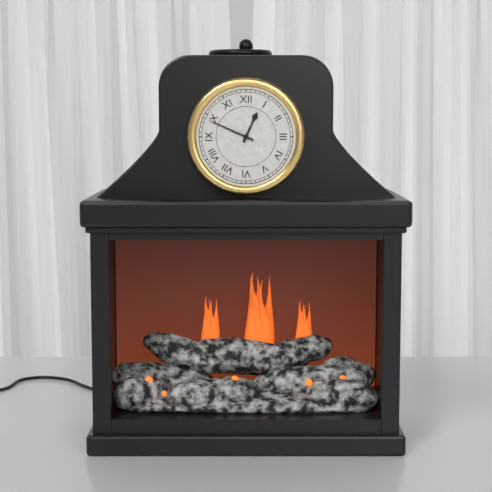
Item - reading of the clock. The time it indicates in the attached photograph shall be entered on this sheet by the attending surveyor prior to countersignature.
12:49
